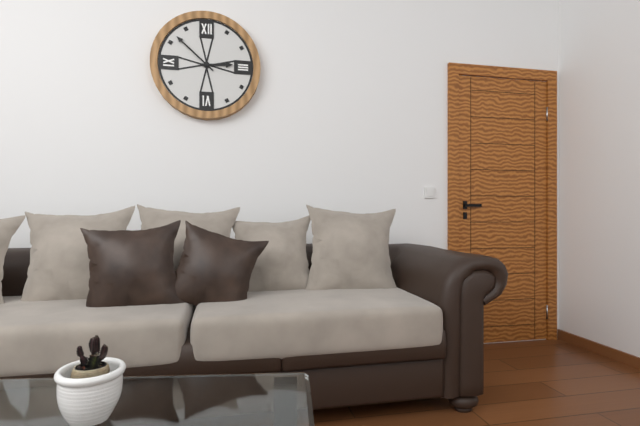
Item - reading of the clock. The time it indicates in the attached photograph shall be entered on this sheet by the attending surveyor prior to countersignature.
2:52
